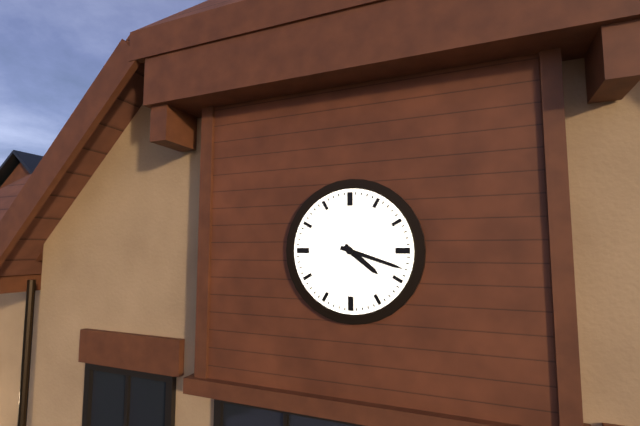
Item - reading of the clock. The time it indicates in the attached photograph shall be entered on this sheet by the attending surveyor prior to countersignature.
4:18
